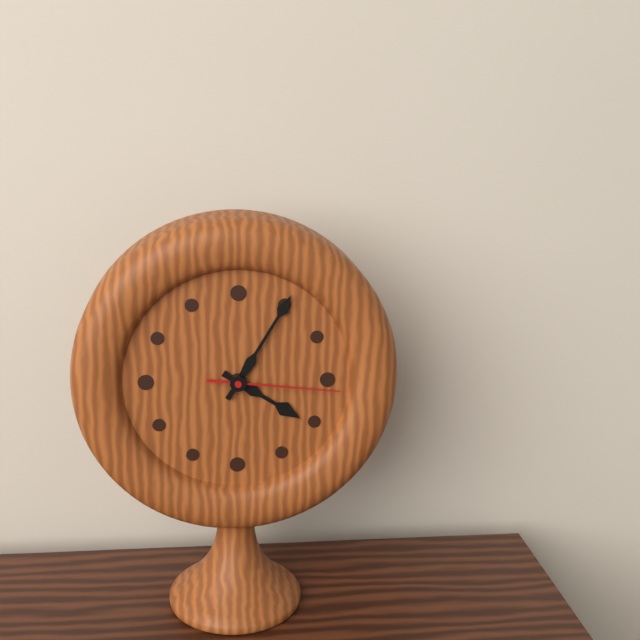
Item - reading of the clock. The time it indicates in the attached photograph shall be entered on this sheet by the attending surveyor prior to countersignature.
4:05:16
